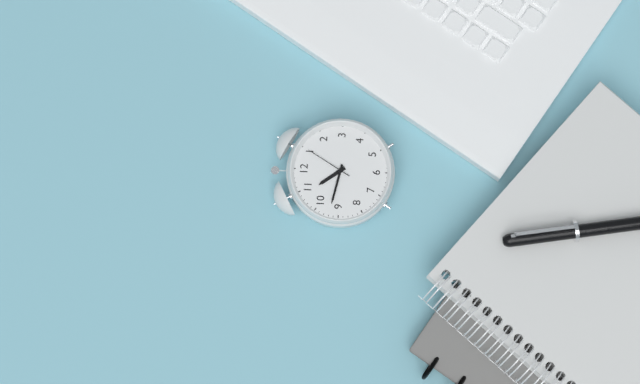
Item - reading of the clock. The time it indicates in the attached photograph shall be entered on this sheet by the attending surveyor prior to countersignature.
10:47
